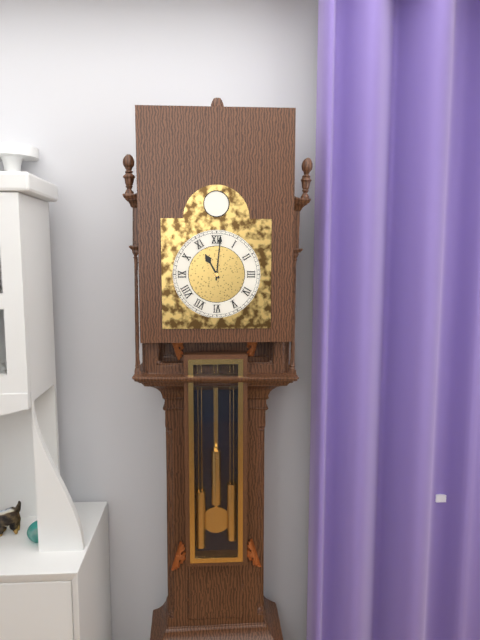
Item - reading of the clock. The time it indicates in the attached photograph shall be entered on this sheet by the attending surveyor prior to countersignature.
11:01
